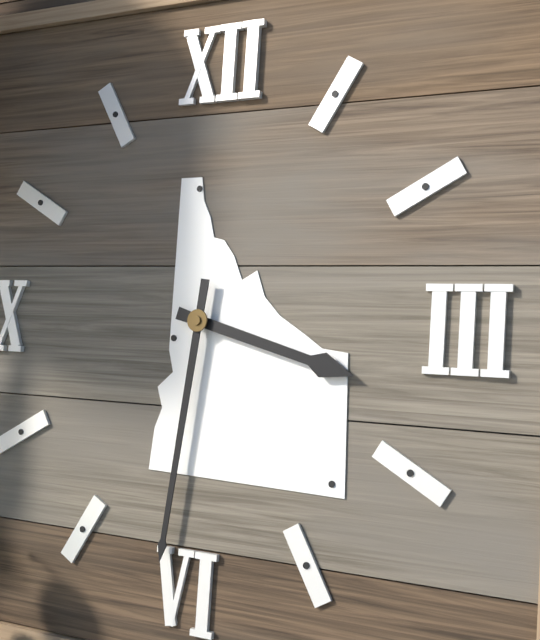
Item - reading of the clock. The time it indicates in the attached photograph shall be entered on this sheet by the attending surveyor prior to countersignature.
3:31
